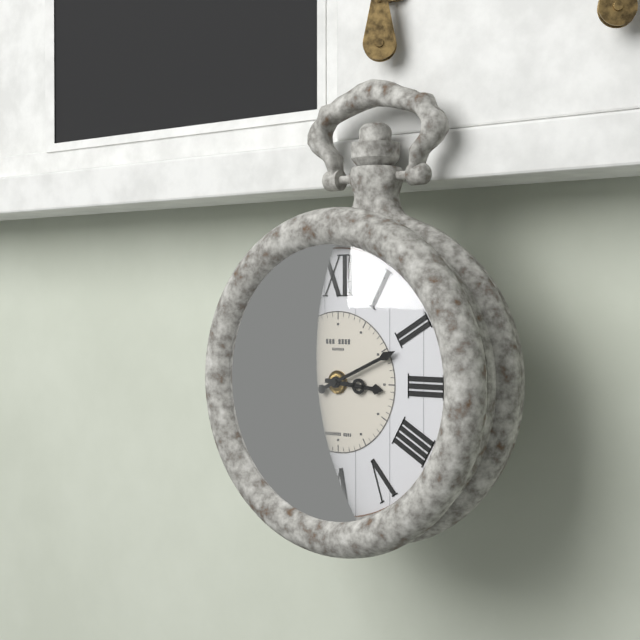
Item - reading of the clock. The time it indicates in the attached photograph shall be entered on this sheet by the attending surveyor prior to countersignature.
3:11
